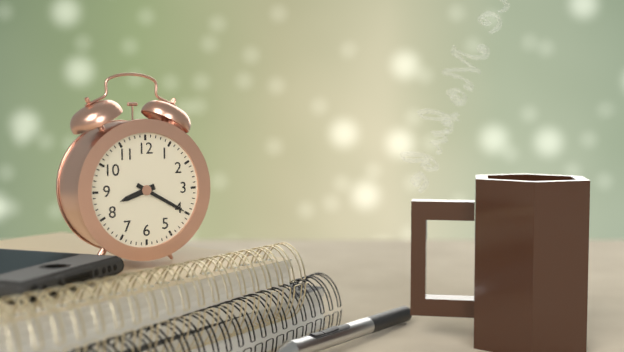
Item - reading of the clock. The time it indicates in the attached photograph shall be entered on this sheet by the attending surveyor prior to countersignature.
8:20
